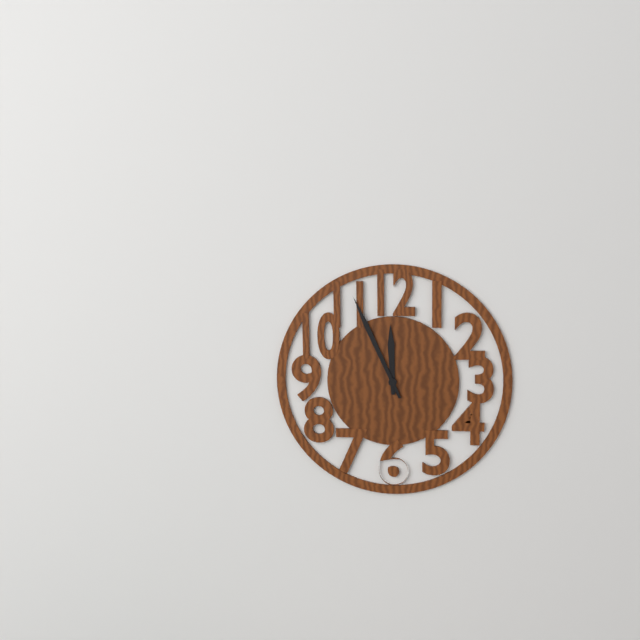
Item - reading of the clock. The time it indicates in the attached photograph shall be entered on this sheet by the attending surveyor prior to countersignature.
11:56
